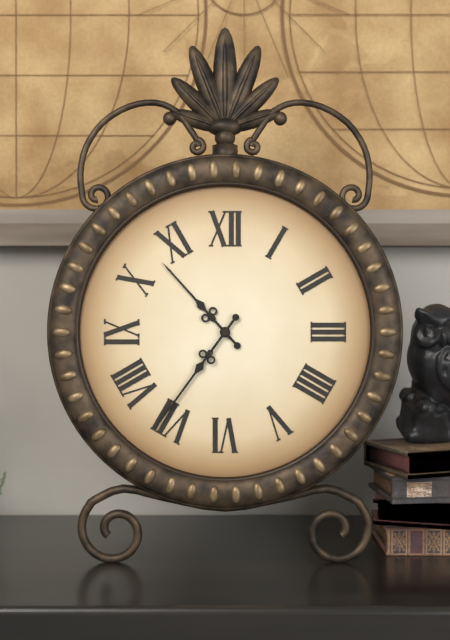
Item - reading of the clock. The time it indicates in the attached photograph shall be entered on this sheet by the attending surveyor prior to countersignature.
10:36
